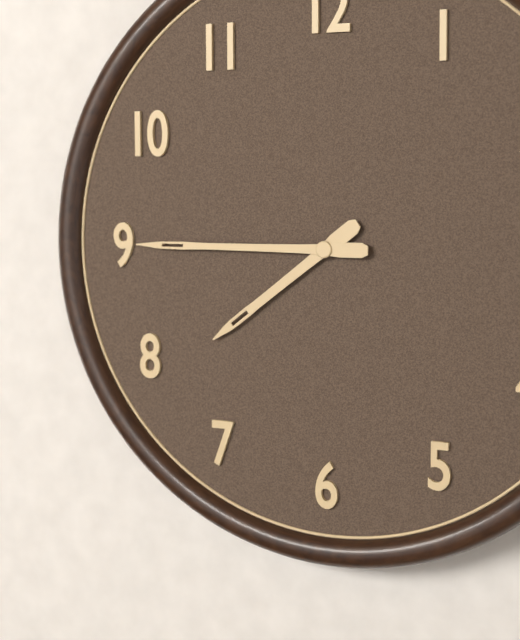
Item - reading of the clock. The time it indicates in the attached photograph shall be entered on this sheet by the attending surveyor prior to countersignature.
7:45
